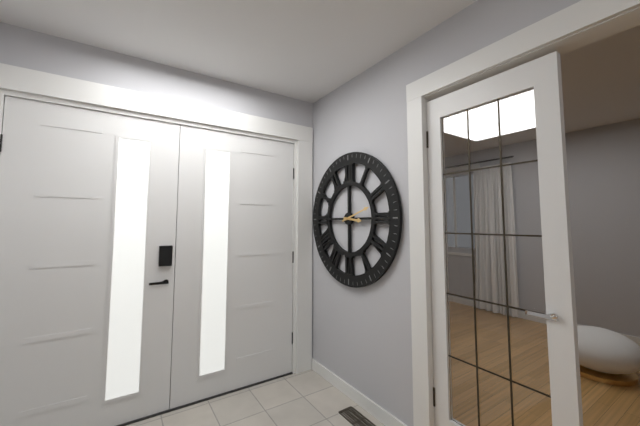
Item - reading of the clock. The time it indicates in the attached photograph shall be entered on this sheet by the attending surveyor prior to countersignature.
3:12
